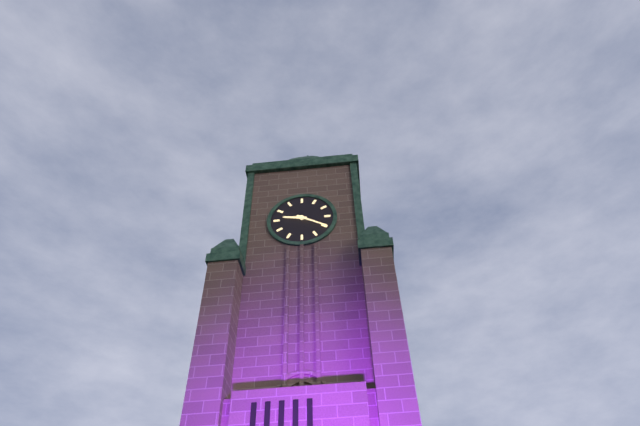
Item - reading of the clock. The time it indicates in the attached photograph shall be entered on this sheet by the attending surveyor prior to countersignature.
9:20
